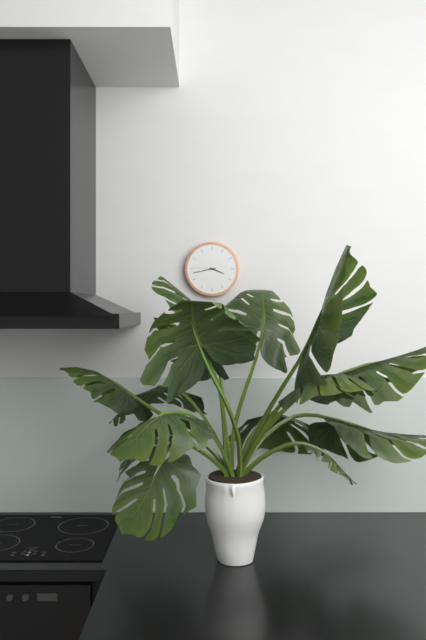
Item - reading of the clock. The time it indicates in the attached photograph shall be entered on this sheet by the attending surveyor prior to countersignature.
3:43
